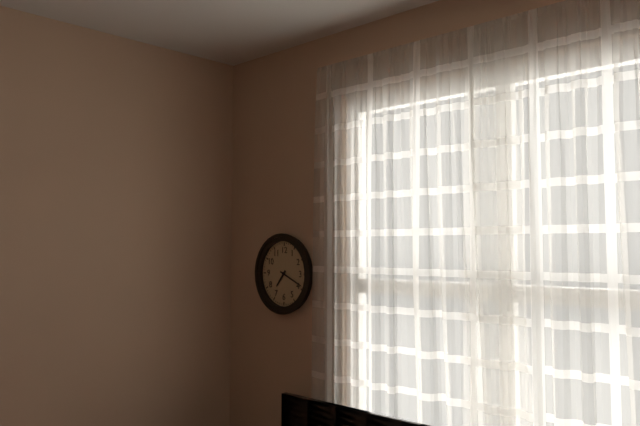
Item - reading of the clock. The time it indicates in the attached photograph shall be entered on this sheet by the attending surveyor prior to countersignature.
7:19
